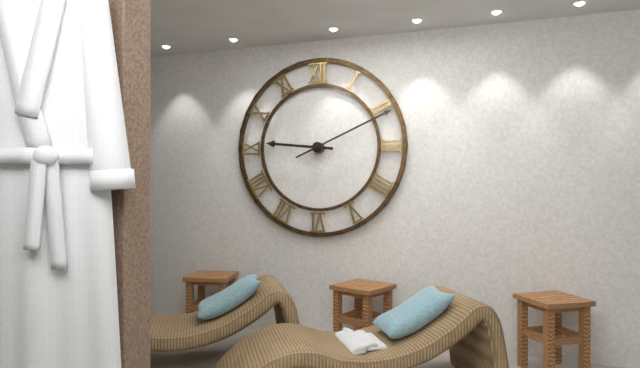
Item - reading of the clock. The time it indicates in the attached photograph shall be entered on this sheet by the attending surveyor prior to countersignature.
9:11
